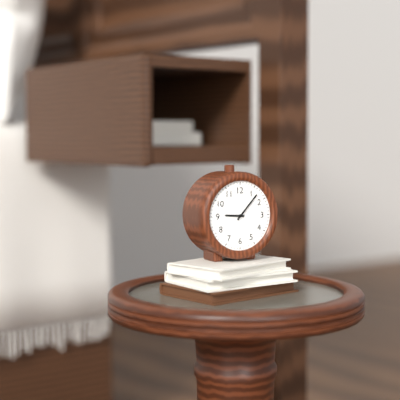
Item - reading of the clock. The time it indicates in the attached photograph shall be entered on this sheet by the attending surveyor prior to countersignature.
9:07
